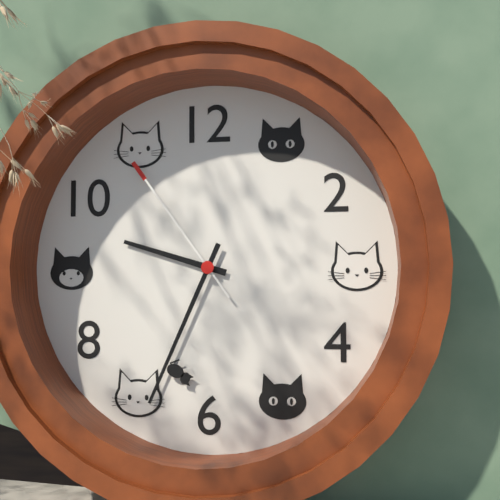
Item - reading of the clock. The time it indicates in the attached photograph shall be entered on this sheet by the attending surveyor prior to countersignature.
9:34:54
